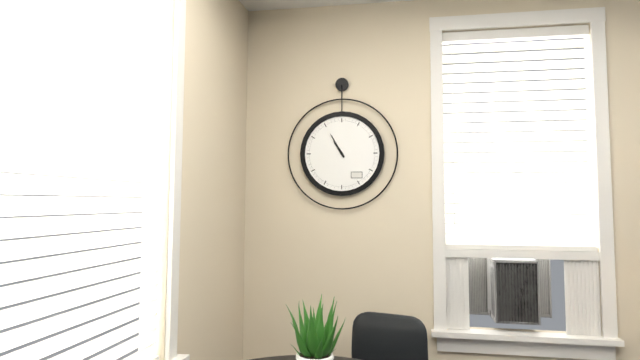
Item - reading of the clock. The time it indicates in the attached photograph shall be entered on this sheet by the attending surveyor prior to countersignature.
10:55
